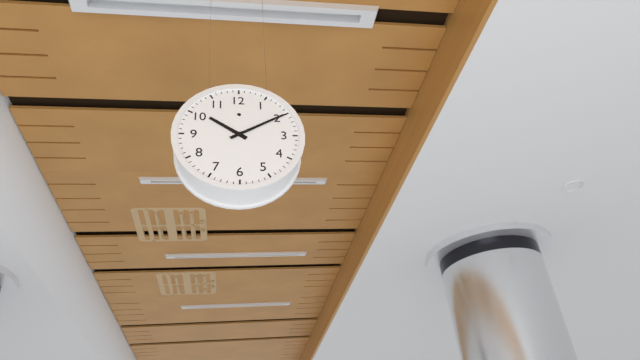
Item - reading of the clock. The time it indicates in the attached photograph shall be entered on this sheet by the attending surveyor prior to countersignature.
10:10
